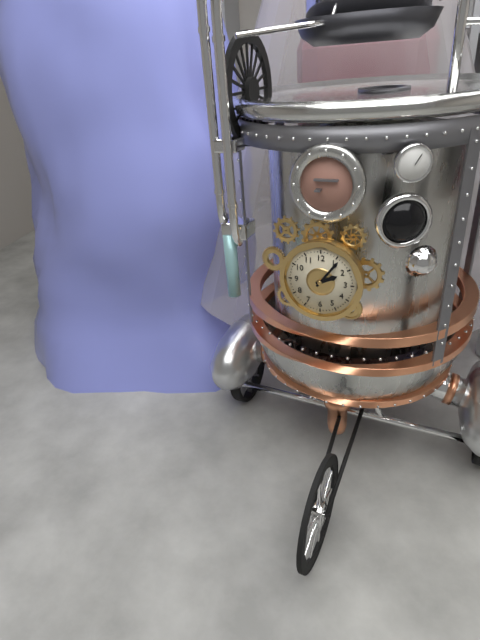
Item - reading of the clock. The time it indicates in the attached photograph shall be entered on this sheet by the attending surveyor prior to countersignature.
2:06
